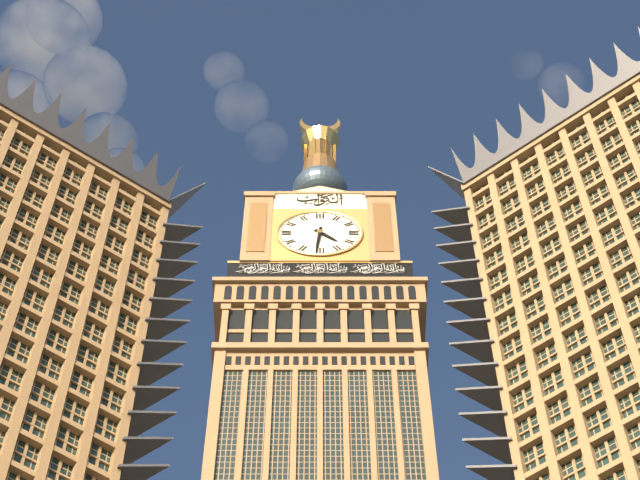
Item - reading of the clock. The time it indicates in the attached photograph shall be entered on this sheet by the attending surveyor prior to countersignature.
4:31
